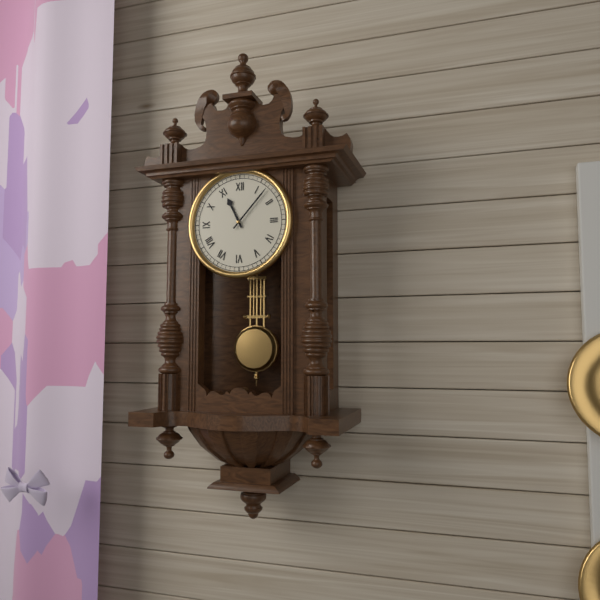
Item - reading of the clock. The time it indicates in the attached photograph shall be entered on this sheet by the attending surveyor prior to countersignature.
11:07
